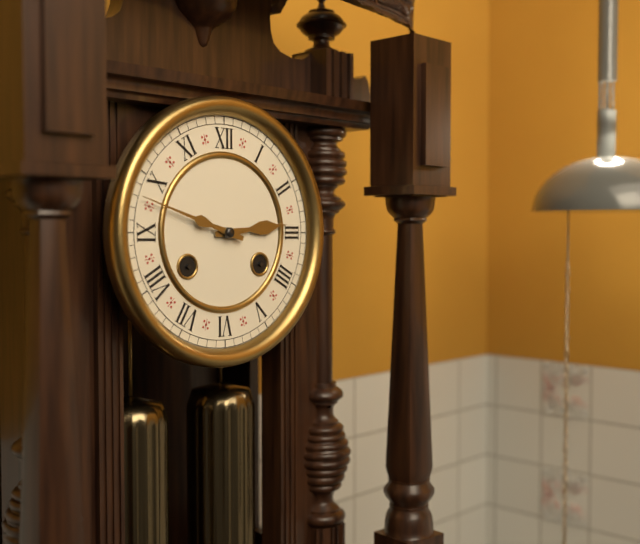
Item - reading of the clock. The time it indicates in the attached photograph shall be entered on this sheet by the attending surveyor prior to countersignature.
2:48
